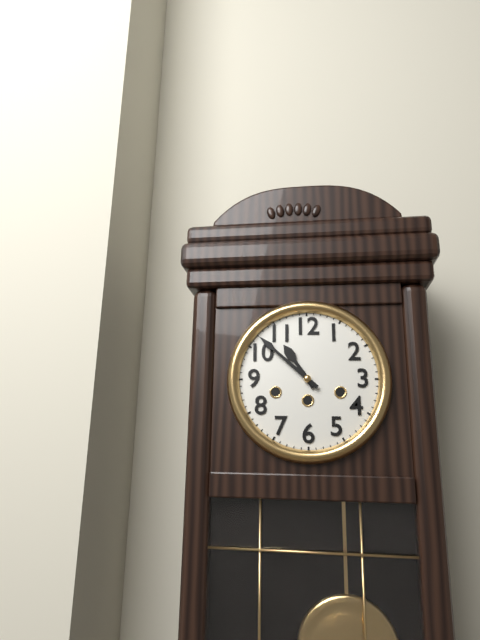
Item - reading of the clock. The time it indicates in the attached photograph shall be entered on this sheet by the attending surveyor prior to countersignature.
10:52
